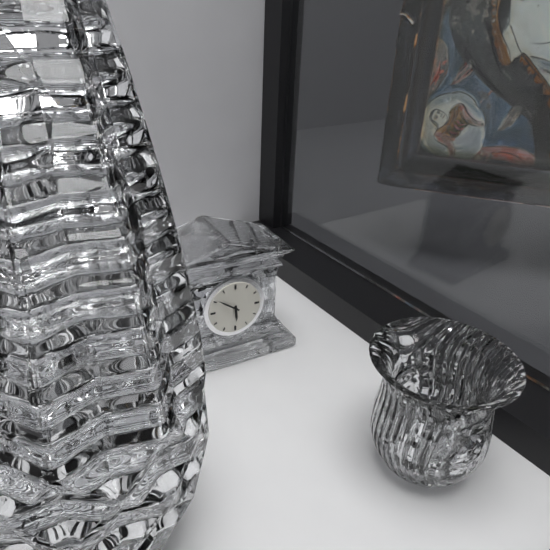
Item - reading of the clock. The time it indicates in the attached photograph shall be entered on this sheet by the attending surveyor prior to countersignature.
5:51
